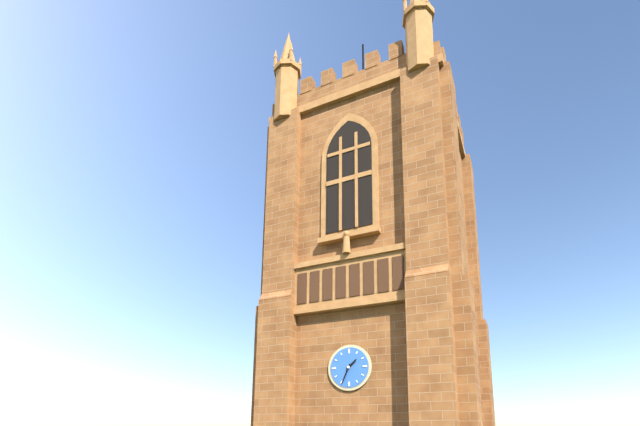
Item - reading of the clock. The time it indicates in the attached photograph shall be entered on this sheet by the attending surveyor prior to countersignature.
1:34
